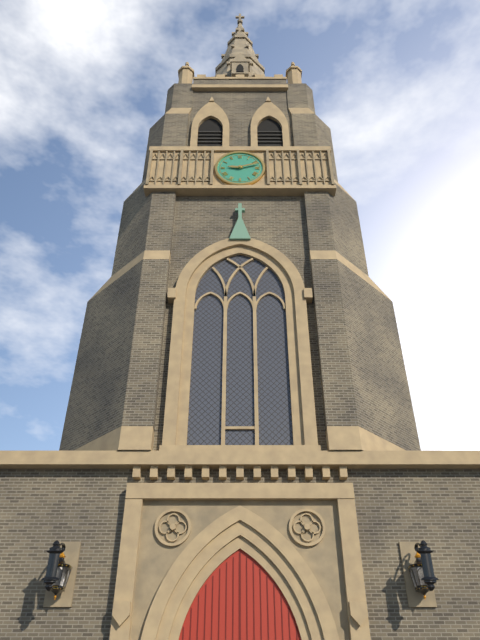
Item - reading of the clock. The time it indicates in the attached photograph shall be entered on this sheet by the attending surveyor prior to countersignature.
9:12
